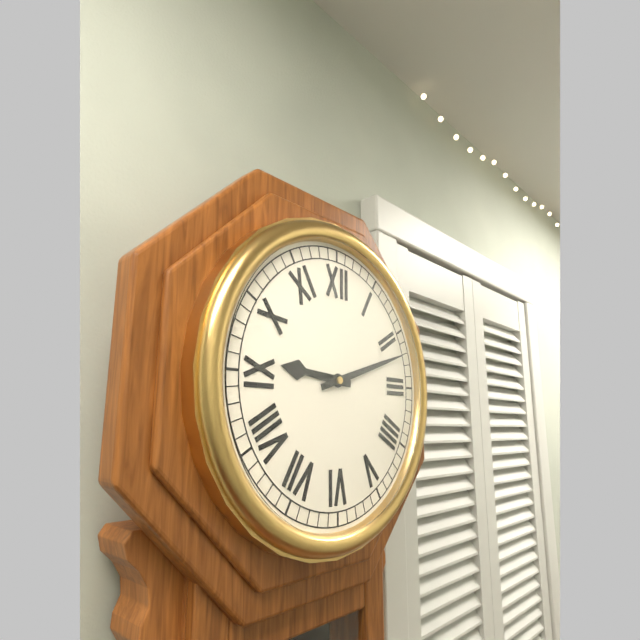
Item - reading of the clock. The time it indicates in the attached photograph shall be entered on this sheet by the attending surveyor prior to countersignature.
9:12
